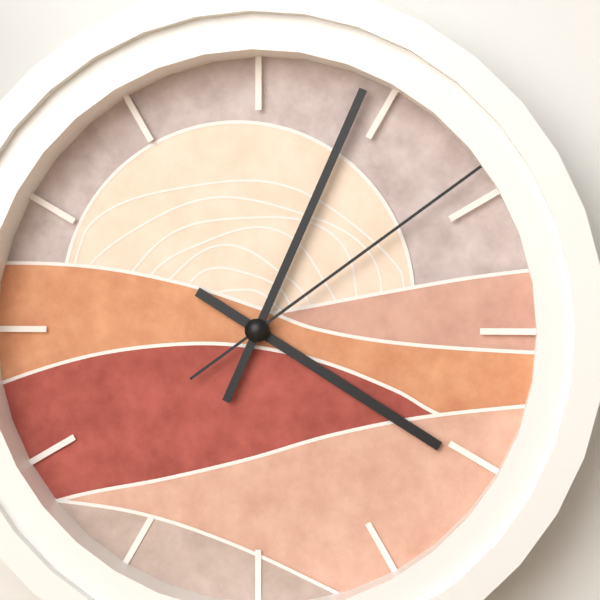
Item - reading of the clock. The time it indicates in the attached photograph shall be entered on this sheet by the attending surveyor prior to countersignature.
4:04:09
